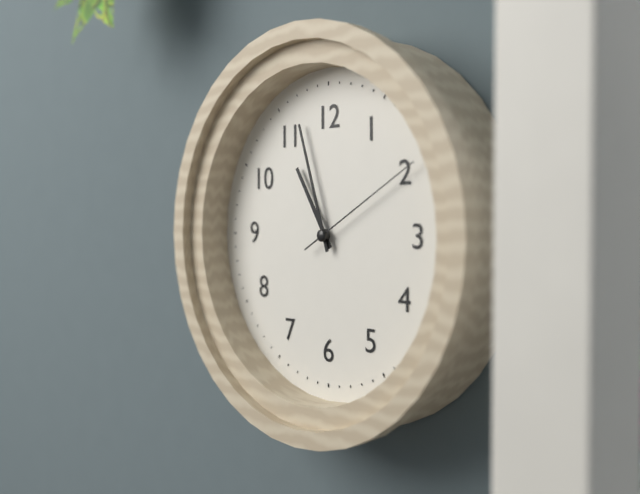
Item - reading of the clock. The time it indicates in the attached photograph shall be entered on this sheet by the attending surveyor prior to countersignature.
10:57:10
